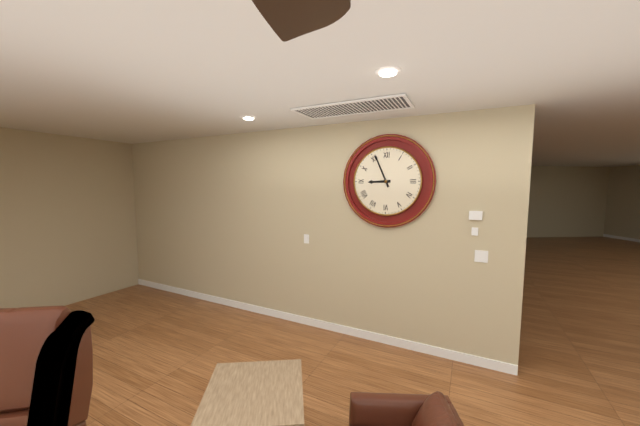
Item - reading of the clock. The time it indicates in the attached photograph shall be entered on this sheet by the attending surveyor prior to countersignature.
8:56
